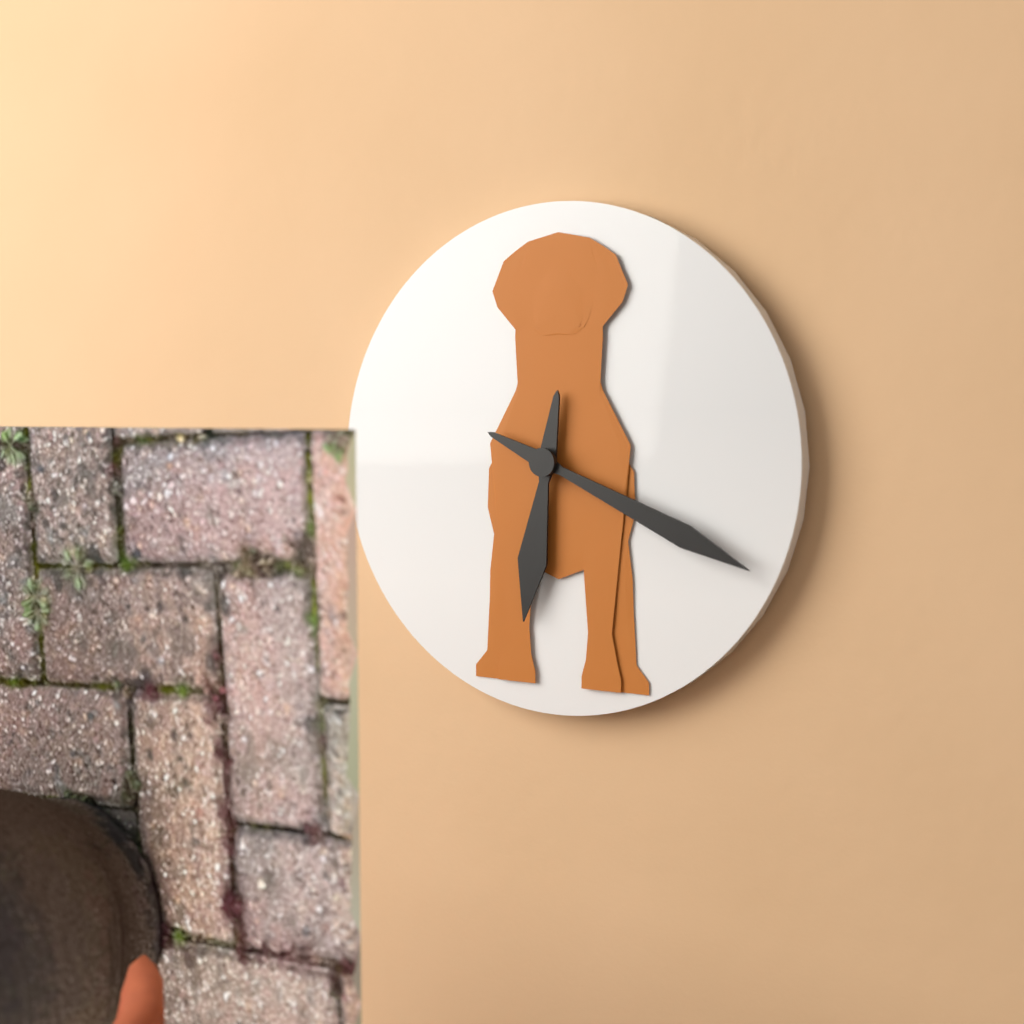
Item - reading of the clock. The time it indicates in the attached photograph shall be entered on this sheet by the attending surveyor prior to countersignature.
6:19
